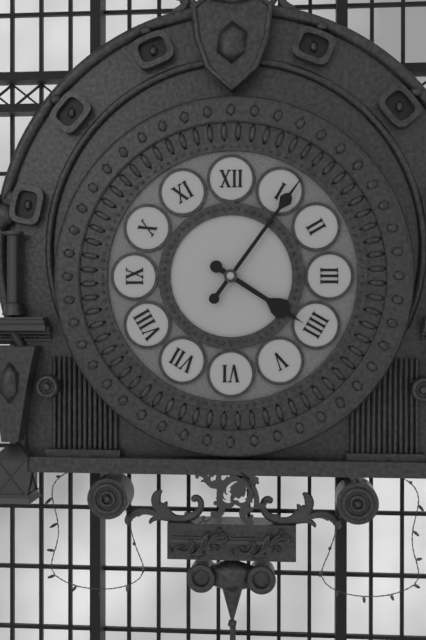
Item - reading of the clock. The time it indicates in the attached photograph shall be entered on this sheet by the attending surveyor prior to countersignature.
4:06
